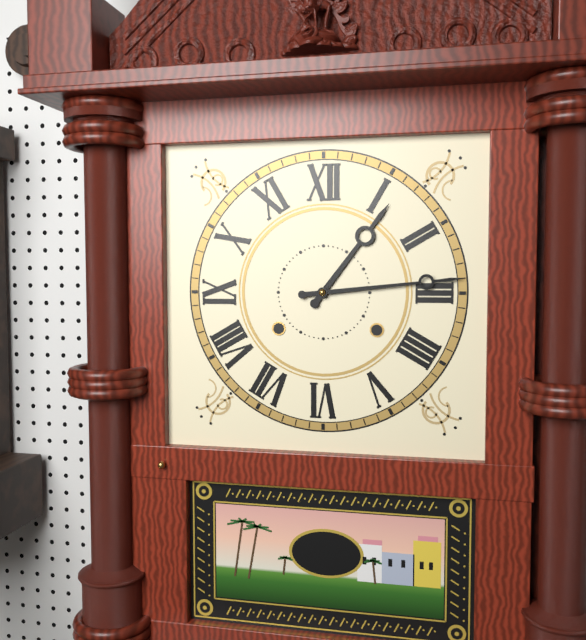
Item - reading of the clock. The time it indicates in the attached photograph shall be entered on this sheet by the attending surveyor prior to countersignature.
1:14
